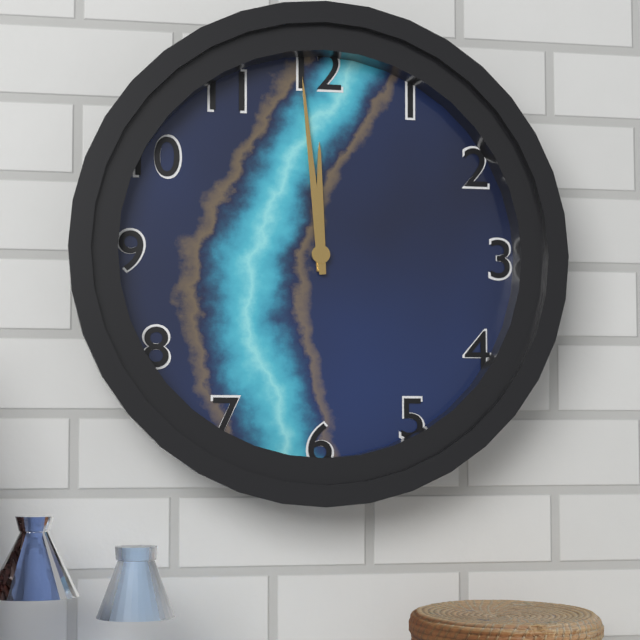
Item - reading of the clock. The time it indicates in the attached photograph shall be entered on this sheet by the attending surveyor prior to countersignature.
11:59
